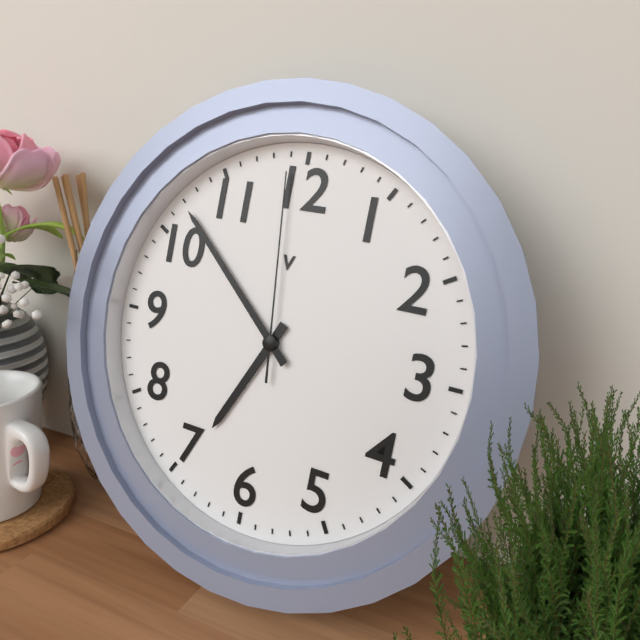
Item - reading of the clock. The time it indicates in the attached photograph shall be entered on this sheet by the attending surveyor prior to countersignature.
6:52:59
